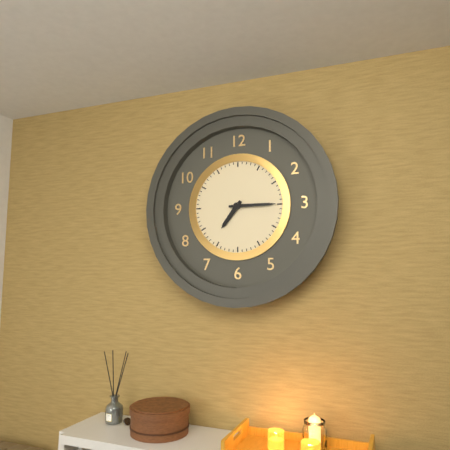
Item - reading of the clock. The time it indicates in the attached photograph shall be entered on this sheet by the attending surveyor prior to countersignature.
7:15
